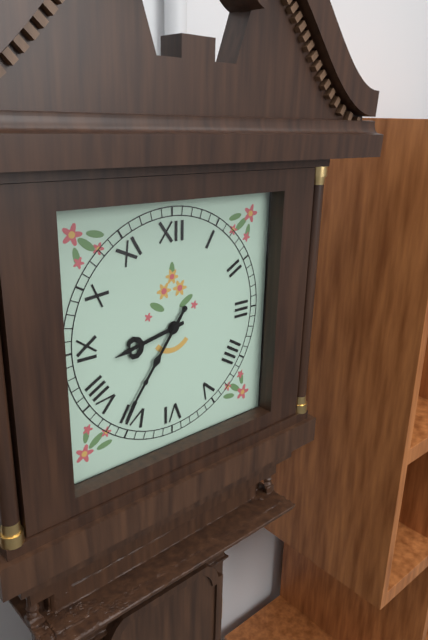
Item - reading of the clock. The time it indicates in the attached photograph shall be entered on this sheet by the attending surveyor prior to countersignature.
8:36
